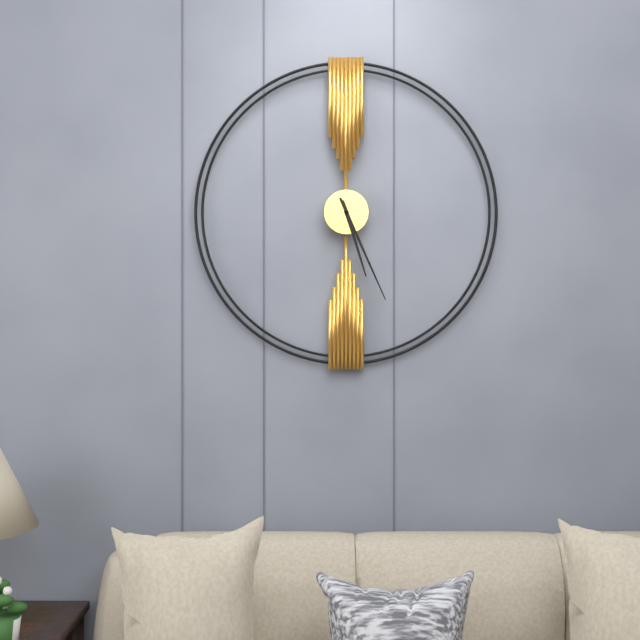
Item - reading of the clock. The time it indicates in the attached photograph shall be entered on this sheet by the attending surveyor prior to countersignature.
5:26
